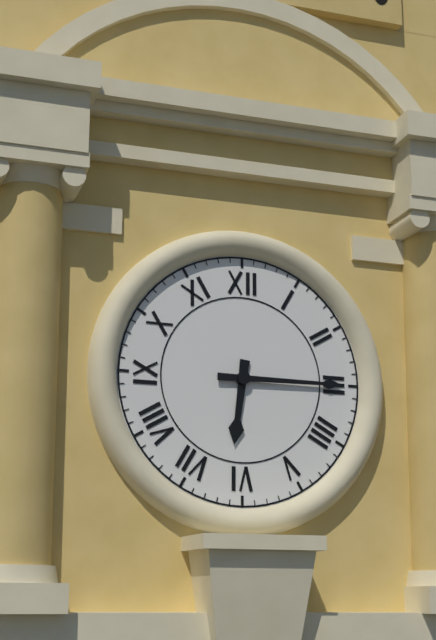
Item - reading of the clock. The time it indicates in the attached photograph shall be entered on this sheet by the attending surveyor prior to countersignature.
6:15
